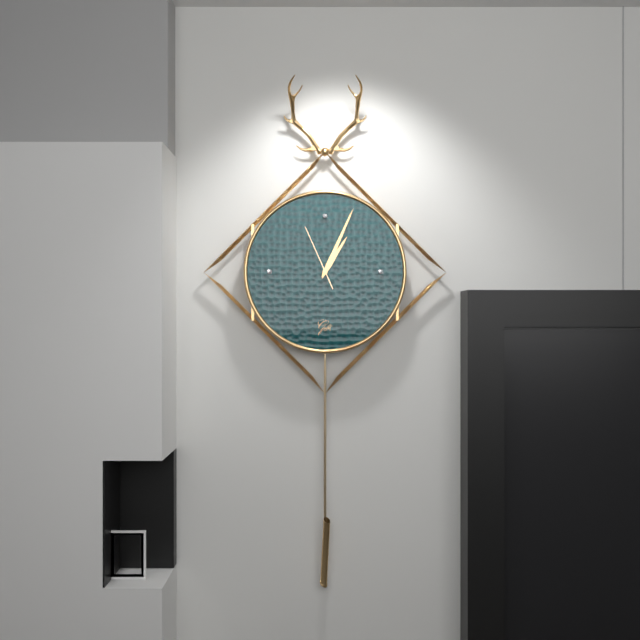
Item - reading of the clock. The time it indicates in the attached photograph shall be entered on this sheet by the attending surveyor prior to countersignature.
1:04:56
